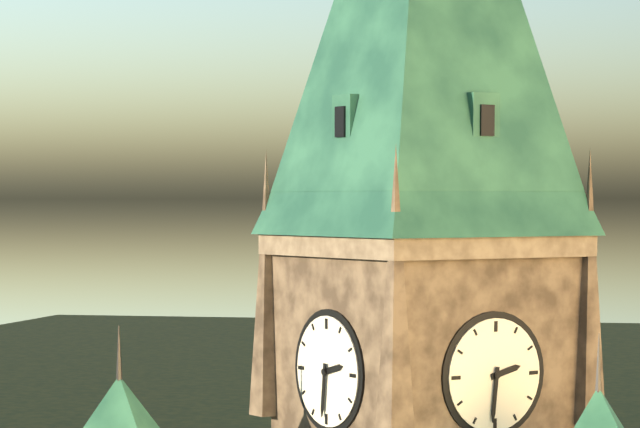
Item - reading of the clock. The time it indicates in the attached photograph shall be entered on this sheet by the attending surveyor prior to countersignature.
2:31
